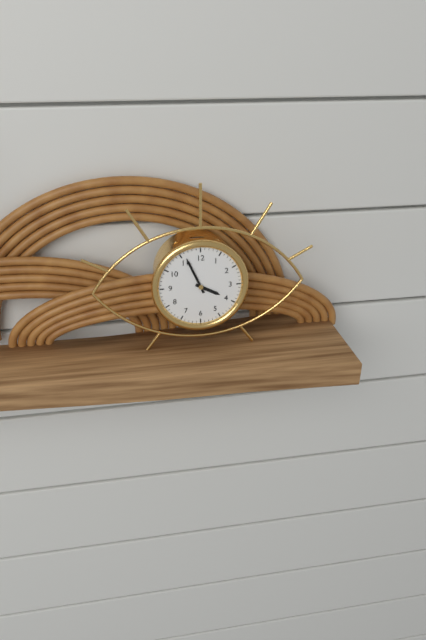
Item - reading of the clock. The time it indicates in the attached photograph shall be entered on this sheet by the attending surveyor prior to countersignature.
3:56
